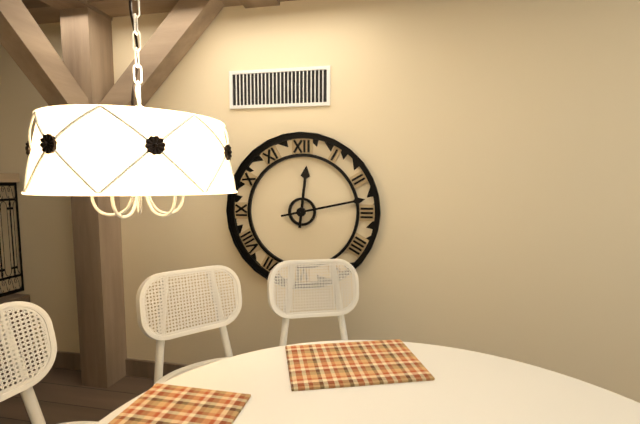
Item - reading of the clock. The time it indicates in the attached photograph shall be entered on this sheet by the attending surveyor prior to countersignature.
12:13
